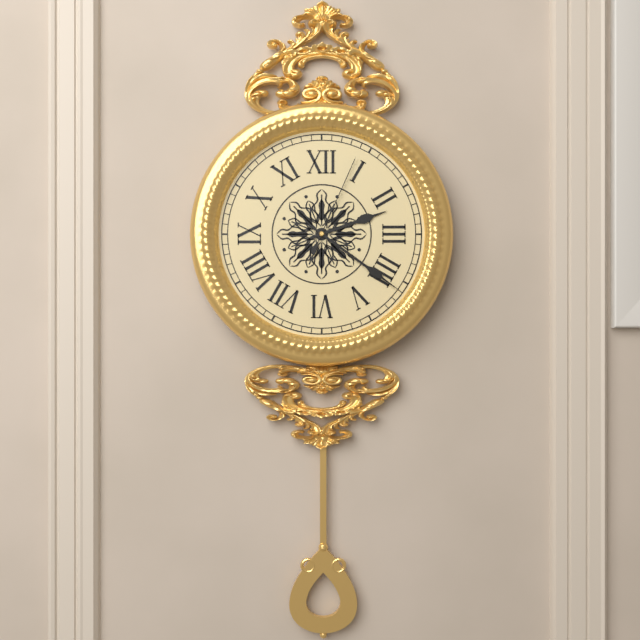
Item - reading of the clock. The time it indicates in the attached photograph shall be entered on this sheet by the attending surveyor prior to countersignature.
2:21:04
